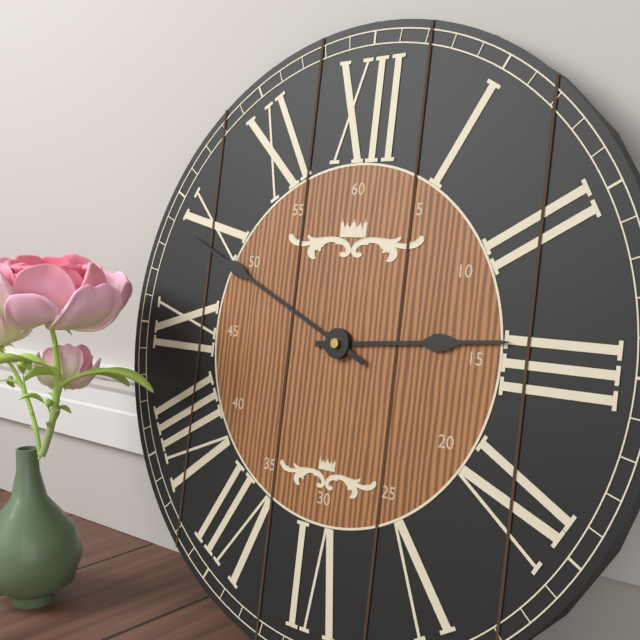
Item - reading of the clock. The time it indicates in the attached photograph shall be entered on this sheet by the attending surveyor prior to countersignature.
2:49
